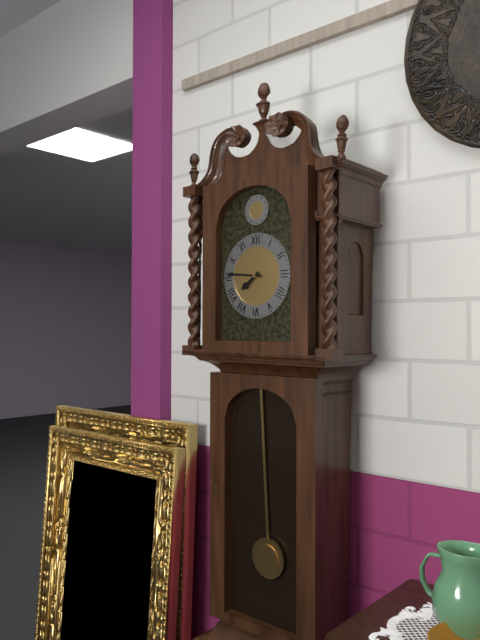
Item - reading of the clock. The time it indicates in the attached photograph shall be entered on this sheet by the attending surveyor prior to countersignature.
7:46
